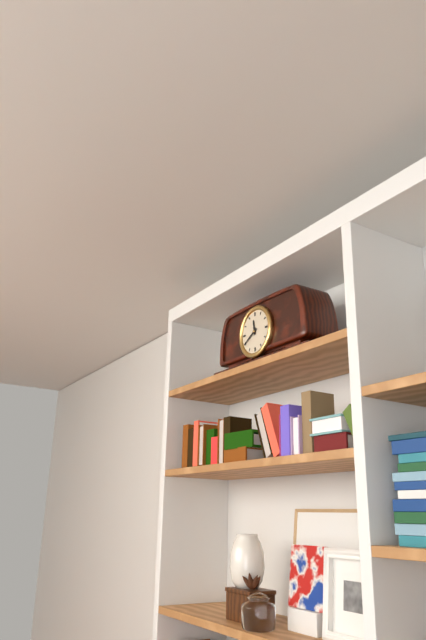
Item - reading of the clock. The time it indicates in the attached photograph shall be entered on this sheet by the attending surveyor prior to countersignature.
11:40
